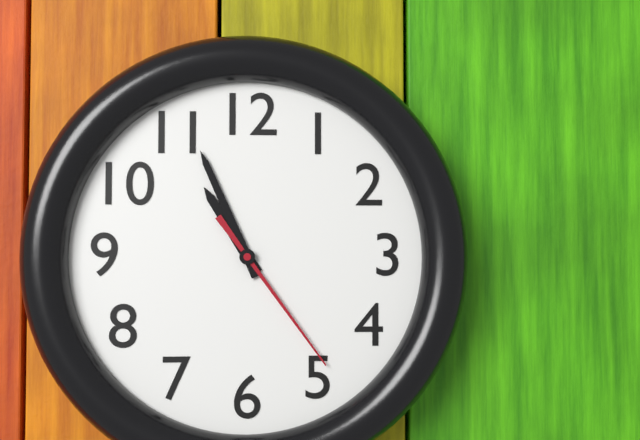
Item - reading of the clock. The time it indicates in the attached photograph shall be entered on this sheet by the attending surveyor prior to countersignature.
10:56:24
